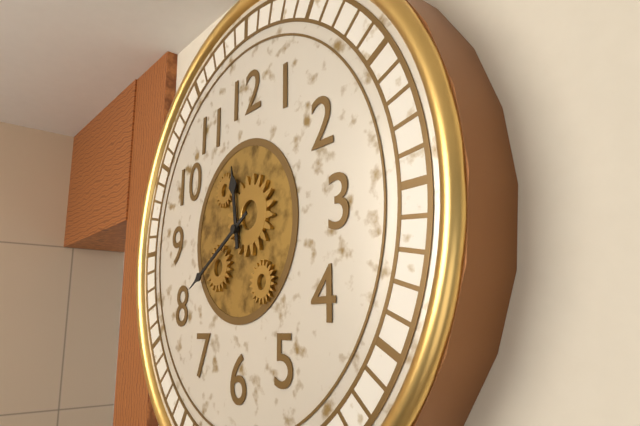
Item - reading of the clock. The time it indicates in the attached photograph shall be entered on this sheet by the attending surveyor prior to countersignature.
11:40
